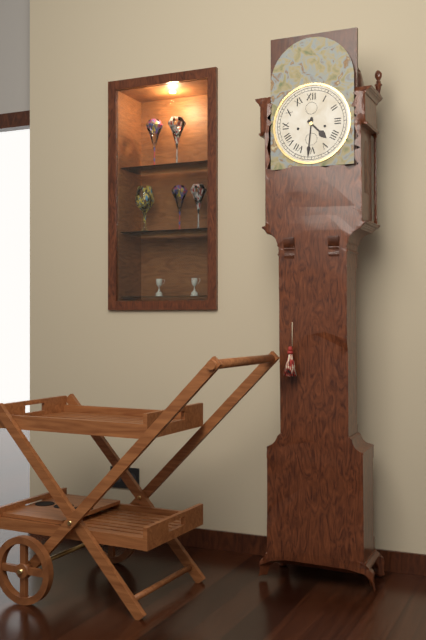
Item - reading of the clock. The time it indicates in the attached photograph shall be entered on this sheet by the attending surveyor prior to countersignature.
4:31
